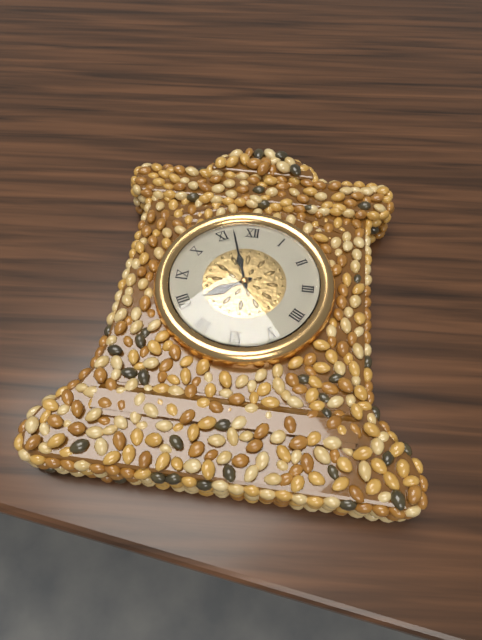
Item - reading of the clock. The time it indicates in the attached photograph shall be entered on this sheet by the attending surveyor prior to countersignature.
7:57
